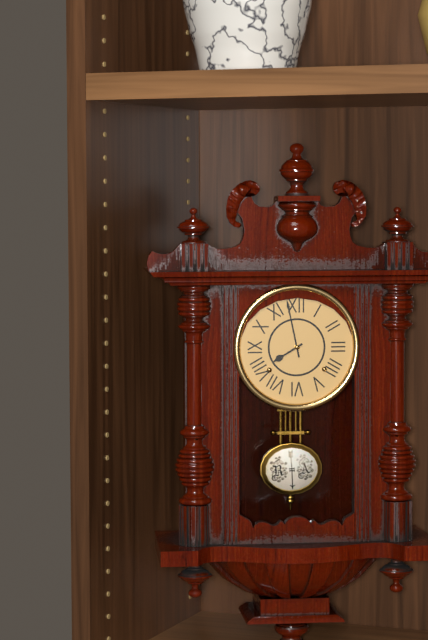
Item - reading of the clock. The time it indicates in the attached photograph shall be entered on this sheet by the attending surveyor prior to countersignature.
7:58
